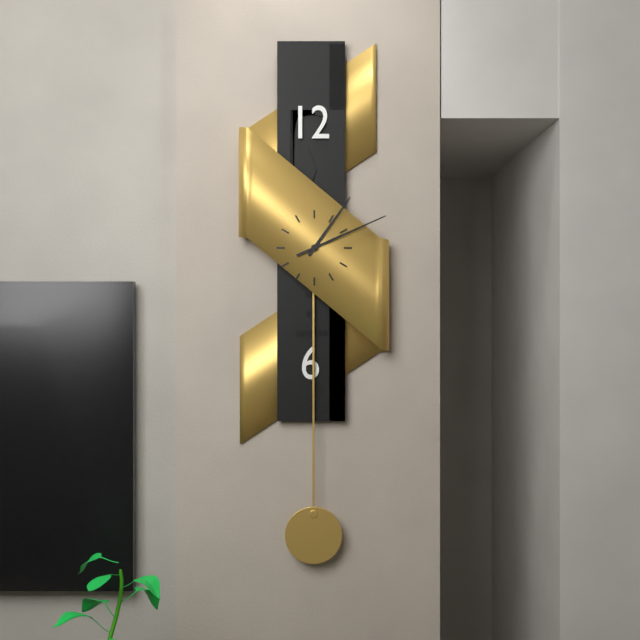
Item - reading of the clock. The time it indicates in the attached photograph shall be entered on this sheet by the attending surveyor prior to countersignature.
1:11
